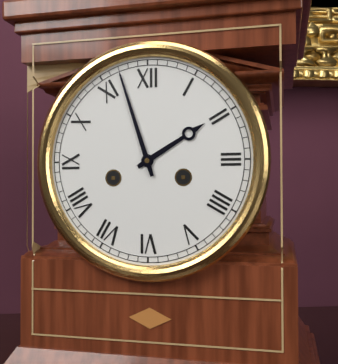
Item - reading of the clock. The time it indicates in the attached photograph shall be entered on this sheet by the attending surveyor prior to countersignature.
1:57
